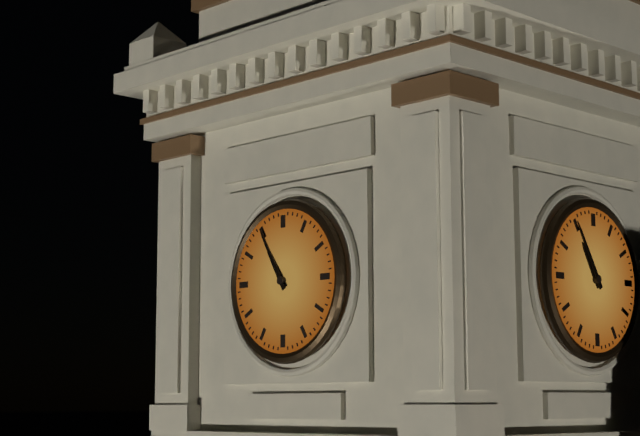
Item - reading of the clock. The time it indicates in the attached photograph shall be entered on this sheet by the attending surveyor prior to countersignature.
10:55
